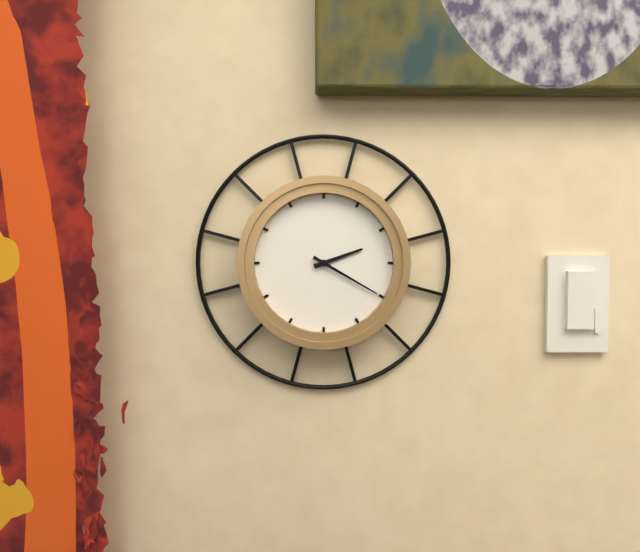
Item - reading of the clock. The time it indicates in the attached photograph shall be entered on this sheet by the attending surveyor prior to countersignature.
2:20
